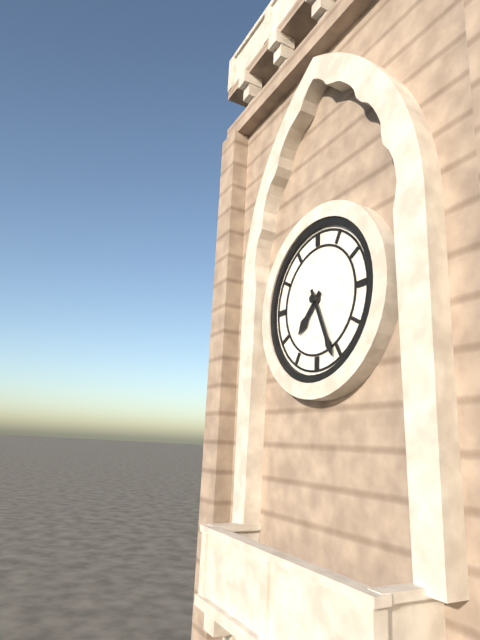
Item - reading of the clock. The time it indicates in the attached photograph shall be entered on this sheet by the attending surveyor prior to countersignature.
7:26
